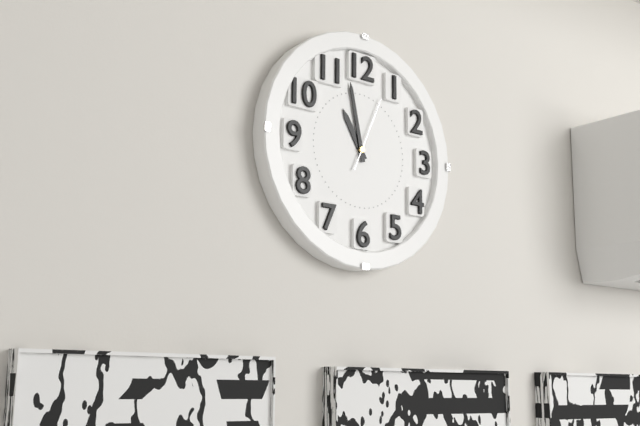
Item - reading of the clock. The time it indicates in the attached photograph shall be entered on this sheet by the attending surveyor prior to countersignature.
10:58:04
